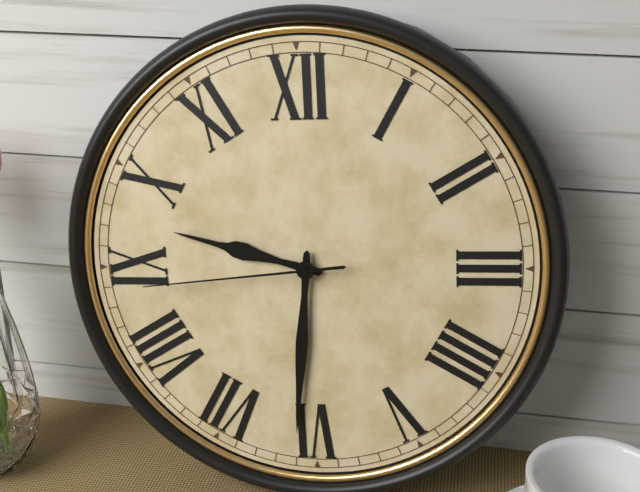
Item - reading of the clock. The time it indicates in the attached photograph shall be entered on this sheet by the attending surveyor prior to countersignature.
9:31:44
